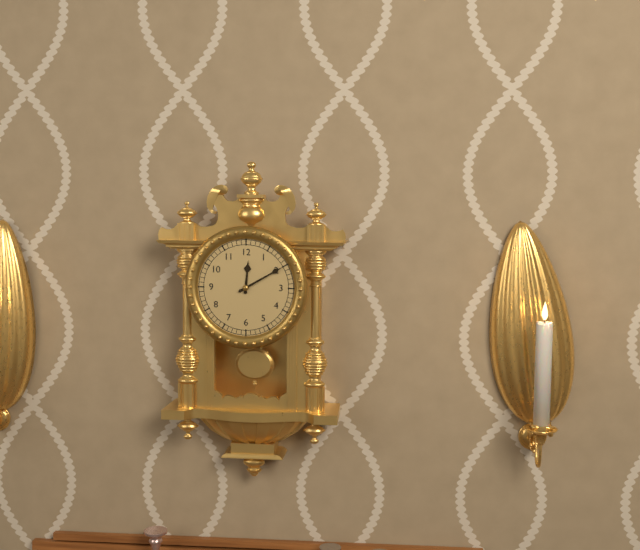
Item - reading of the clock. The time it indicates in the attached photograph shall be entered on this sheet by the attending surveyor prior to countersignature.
12:10
